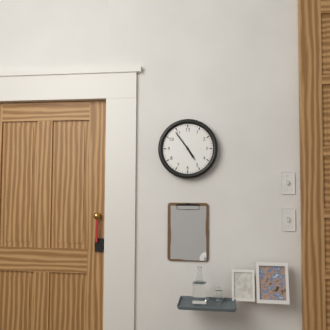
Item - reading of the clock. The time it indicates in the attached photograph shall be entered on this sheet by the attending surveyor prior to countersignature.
4:54
